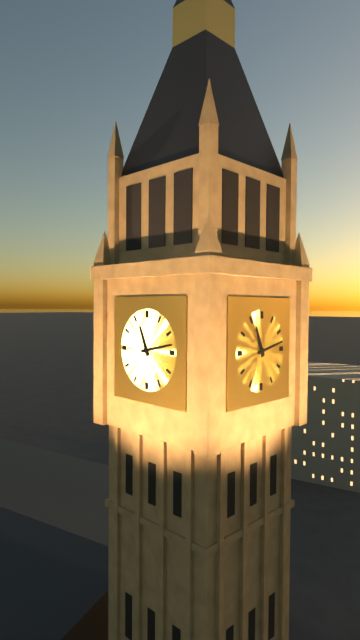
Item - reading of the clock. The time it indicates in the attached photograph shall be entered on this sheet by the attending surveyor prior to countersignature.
11:13
